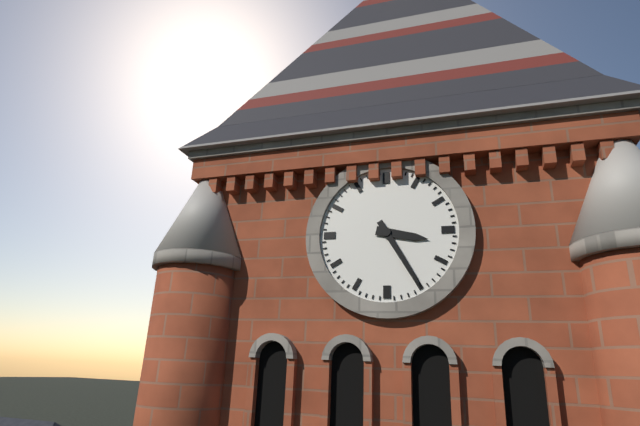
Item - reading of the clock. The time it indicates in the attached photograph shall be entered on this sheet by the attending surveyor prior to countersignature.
3:25
